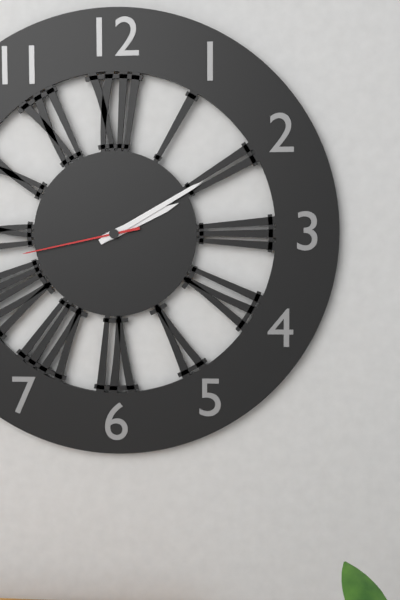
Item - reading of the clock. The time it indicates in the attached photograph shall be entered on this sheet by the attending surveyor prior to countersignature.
2:10:43
